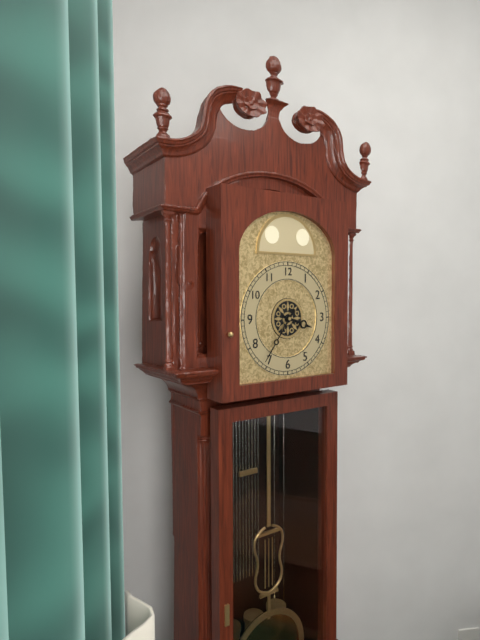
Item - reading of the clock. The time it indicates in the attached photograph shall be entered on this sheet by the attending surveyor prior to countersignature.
3:36
